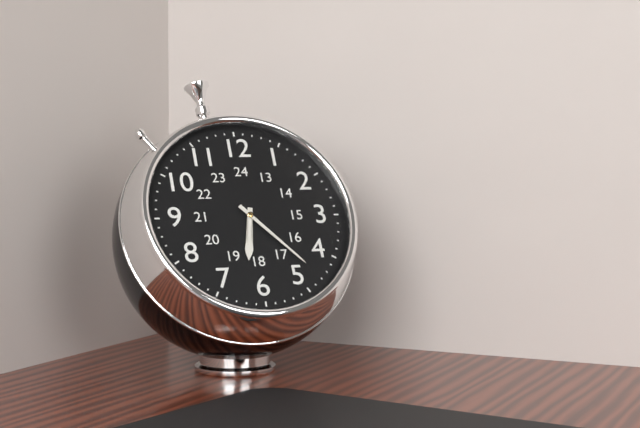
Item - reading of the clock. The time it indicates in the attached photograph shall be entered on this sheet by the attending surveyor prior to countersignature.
6:23
